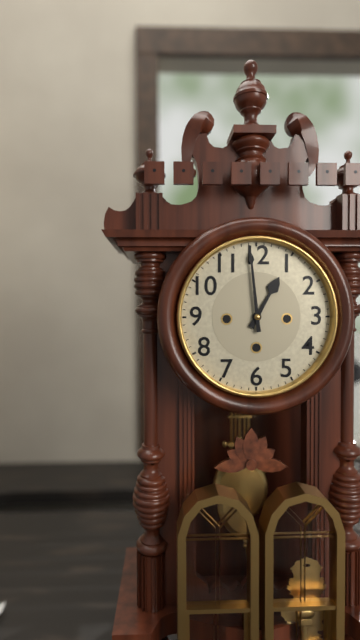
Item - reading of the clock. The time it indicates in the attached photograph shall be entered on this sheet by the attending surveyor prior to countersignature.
12:59
